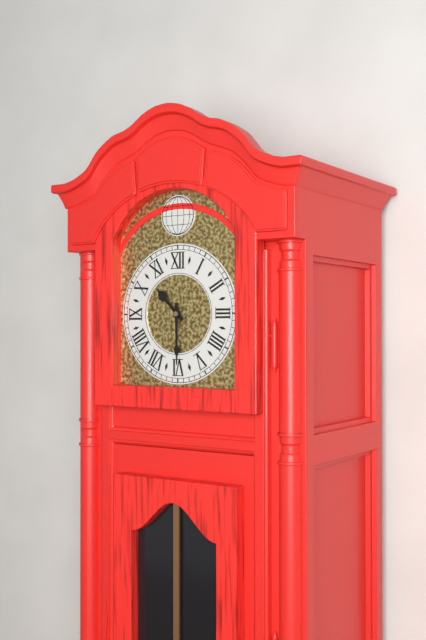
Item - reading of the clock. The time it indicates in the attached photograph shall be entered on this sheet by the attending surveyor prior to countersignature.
10:30
